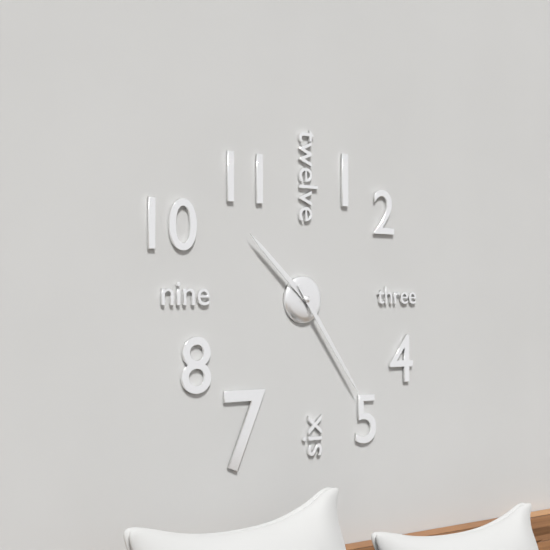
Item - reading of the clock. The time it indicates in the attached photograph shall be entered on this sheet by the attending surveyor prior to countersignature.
10:24
